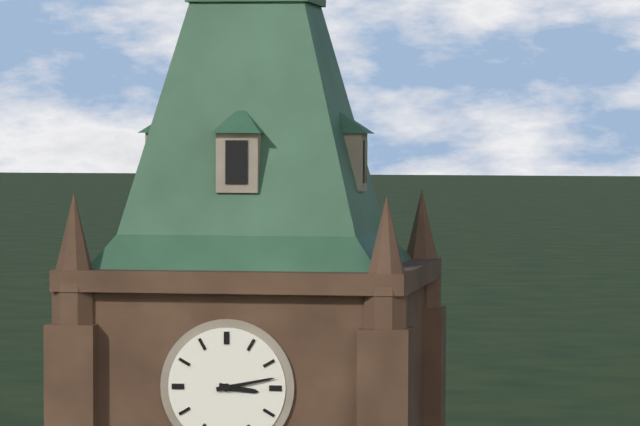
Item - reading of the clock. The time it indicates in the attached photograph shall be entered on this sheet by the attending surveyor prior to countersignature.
3:13
